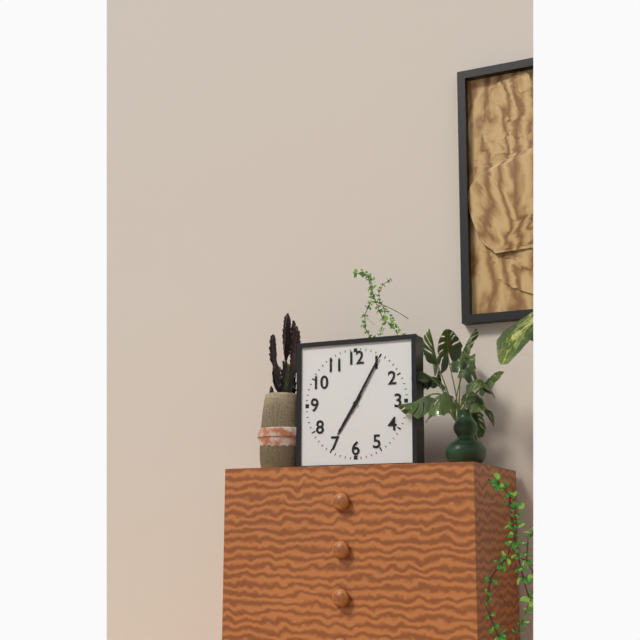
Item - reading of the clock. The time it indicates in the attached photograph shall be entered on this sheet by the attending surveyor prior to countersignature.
7:05
